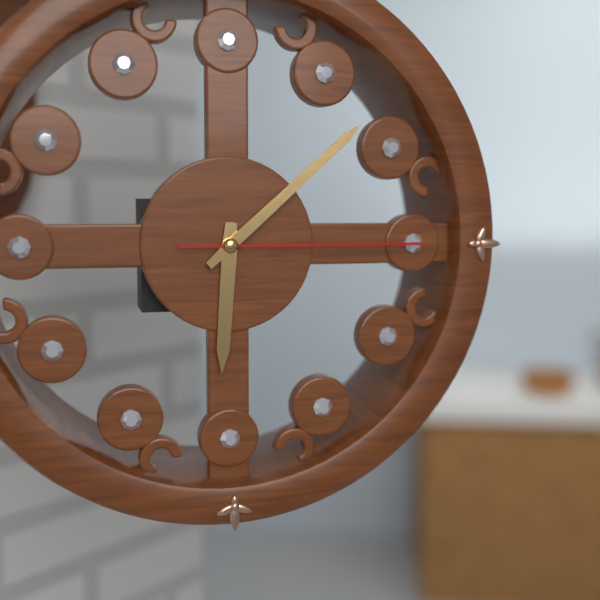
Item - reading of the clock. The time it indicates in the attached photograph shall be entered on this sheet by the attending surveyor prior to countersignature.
6:08:15
